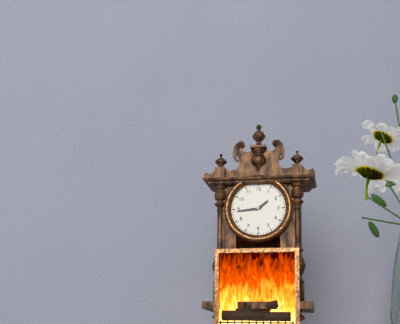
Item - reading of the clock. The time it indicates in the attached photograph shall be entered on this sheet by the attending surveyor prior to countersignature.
1:44
